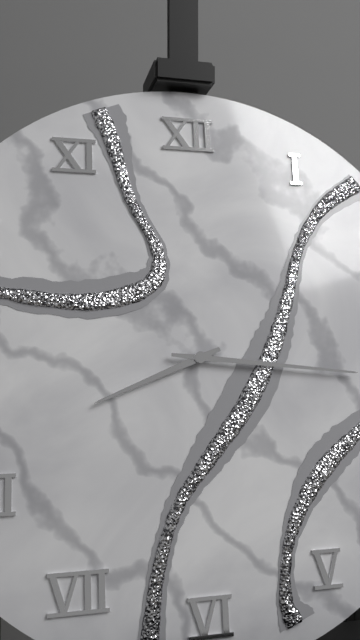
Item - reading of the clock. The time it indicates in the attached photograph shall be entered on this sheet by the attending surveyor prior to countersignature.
8:16
